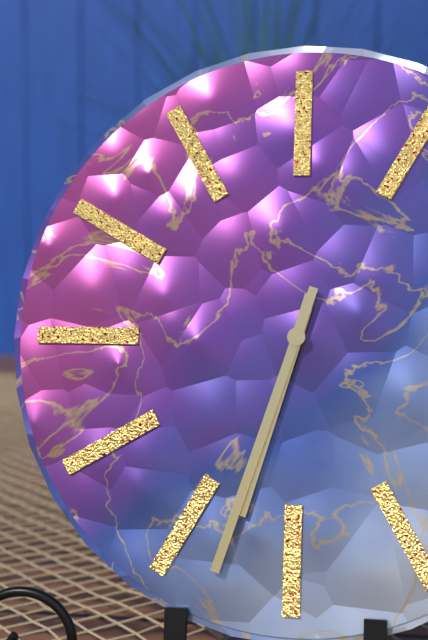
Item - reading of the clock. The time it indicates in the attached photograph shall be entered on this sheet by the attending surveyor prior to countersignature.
6:33
